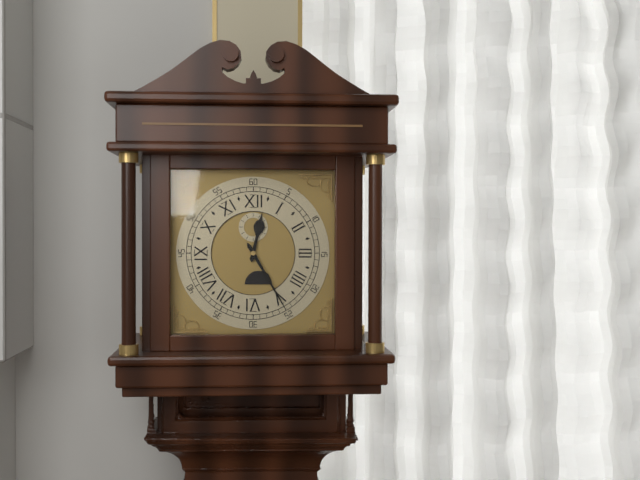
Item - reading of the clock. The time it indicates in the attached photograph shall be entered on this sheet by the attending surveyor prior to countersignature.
12:25
